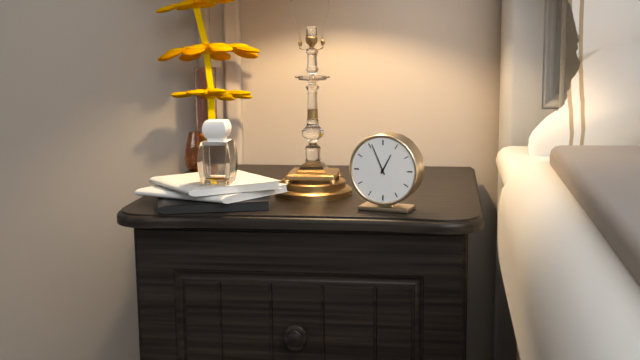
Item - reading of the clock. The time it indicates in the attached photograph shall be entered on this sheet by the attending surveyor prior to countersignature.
12:56
